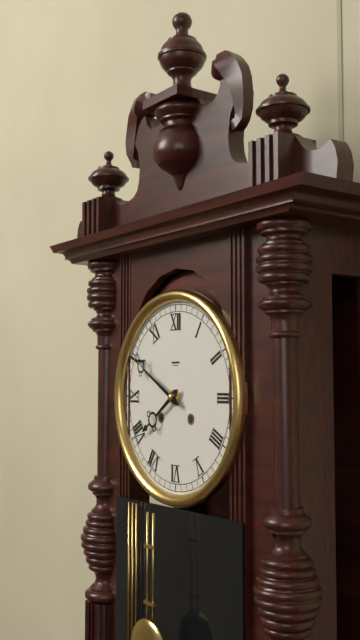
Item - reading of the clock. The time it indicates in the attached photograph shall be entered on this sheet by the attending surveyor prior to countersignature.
7:50
